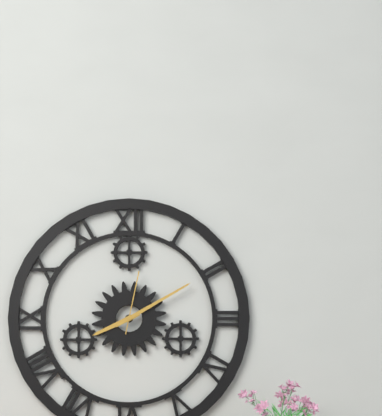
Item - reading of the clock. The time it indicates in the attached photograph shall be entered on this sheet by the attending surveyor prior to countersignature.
8:10:02
